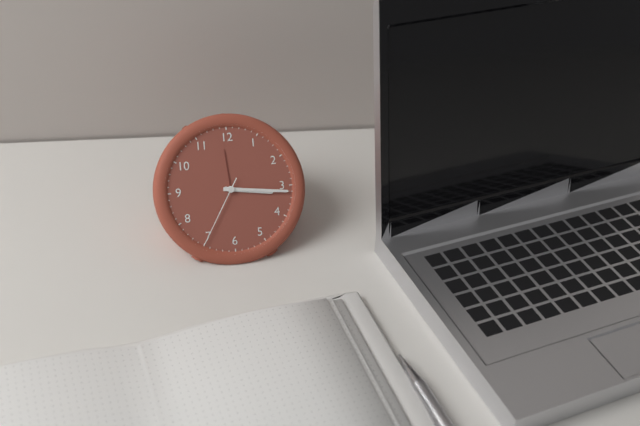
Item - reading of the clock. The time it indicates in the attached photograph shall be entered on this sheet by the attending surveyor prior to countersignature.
3:16:35
